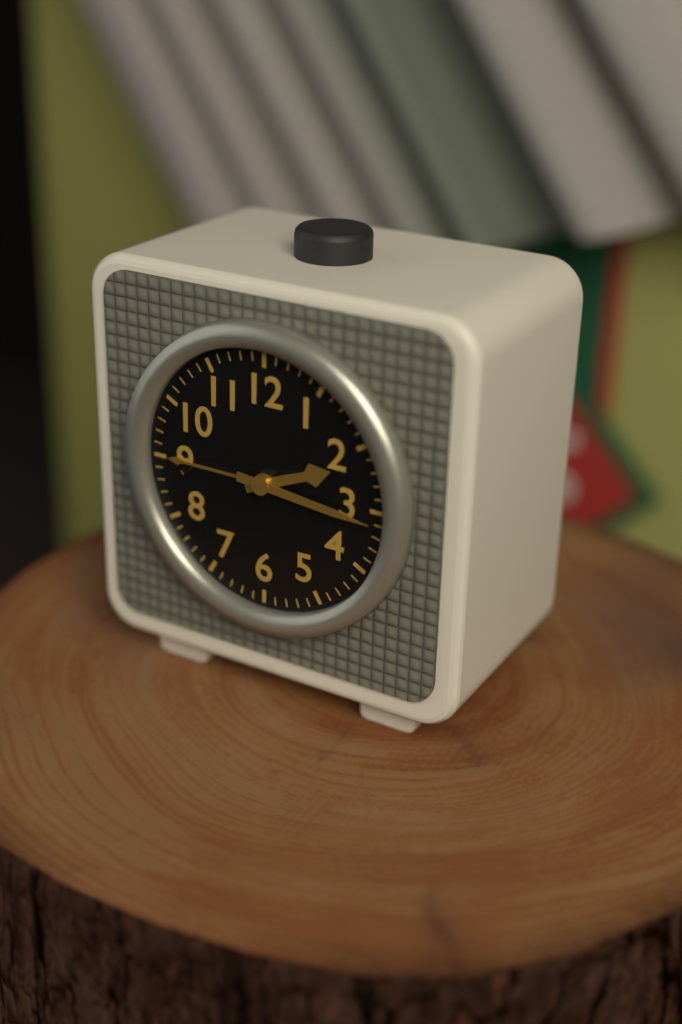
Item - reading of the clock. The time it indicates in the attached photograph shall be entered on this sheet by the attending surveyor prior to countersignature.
2:16
